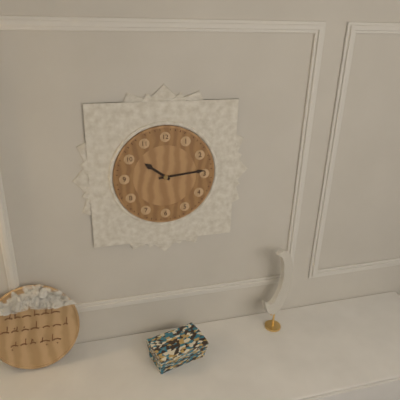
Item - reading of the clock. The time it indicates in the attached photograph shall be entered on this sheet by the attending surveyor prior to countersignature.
10:14
